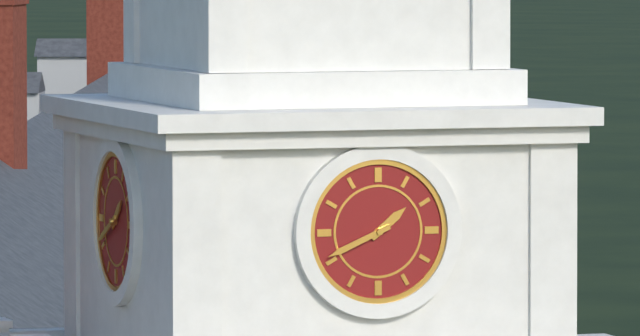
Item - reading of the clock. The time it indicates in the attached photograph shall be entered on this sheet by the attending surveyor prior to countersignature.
1:41
